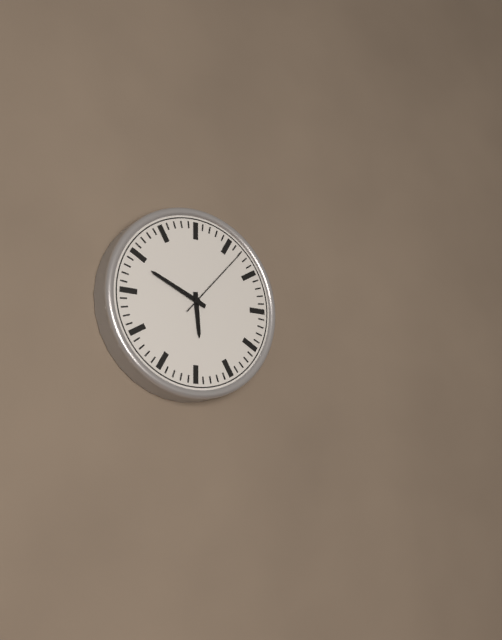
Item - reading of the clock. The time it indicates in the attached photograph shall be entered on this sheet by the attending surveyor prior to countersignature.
5:49:07
